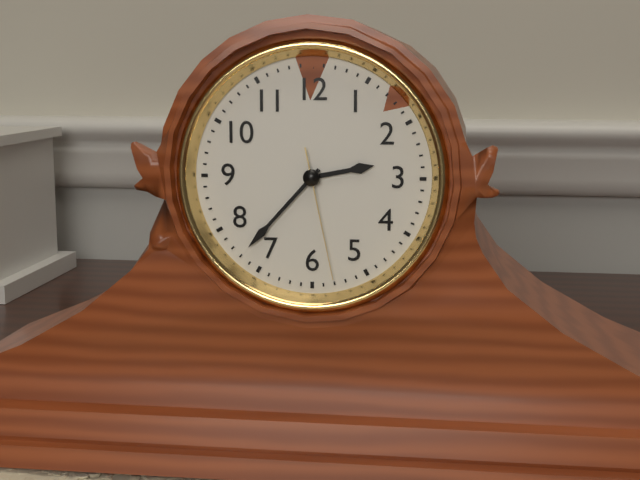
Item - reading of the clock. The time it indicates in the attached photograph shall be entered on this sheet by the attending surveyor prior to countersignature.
2:37:28
